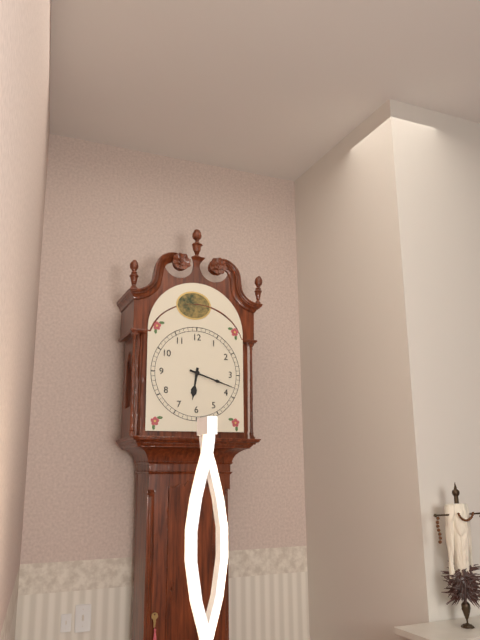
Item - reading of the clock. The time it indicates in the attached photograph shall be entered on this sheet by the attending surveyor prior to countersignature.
6:18
